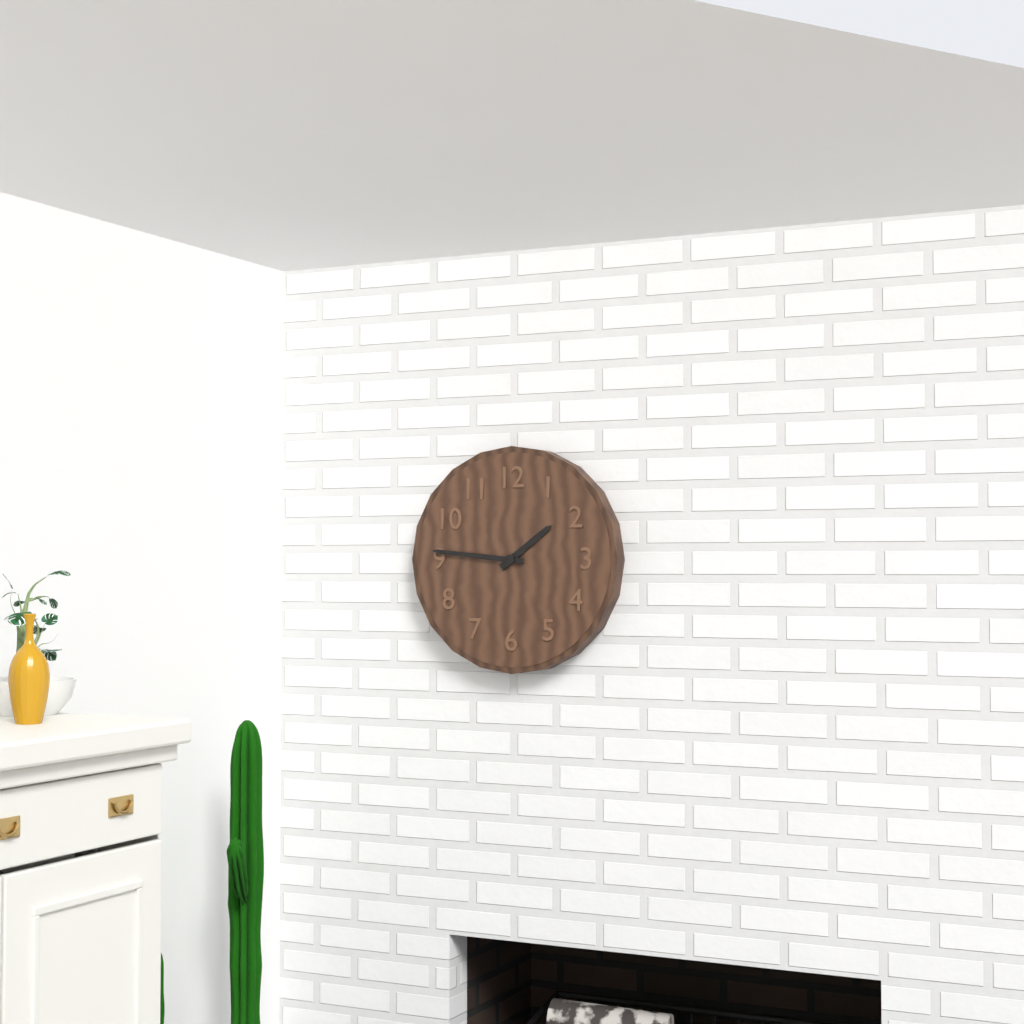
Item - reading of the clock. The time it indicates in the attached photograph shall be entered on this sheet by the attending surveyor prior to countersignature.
1:46
